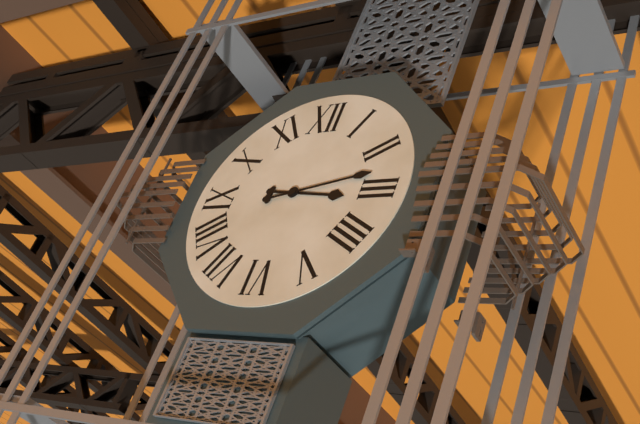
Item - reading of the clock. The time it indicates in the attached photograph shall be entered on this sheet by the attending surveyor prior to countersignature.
3:13
